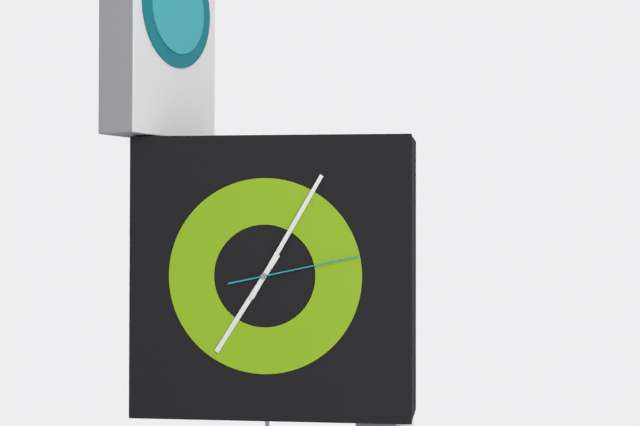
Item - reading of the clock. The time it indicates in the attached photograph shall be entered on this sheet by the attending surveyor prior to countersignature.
7:05:13
